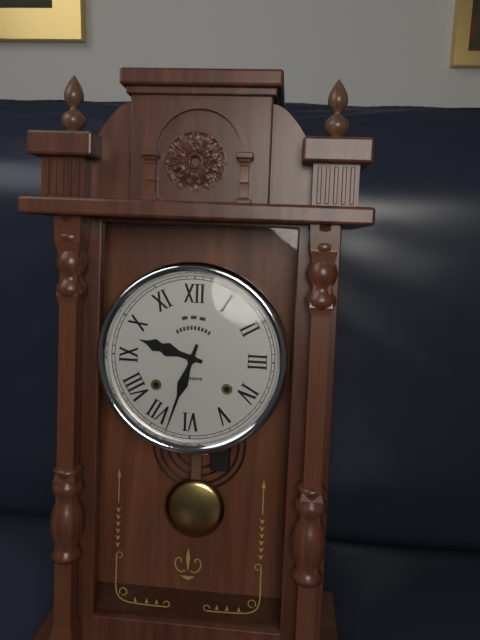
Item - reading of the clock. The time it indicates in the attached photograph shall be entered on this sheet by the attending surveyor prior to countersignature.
9:33
